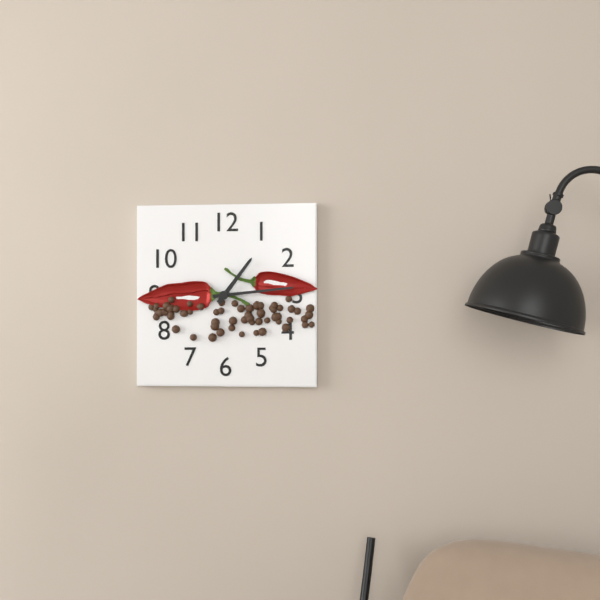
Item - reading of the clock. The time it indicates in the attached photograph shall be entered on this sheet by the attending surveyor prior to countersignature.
1:14
